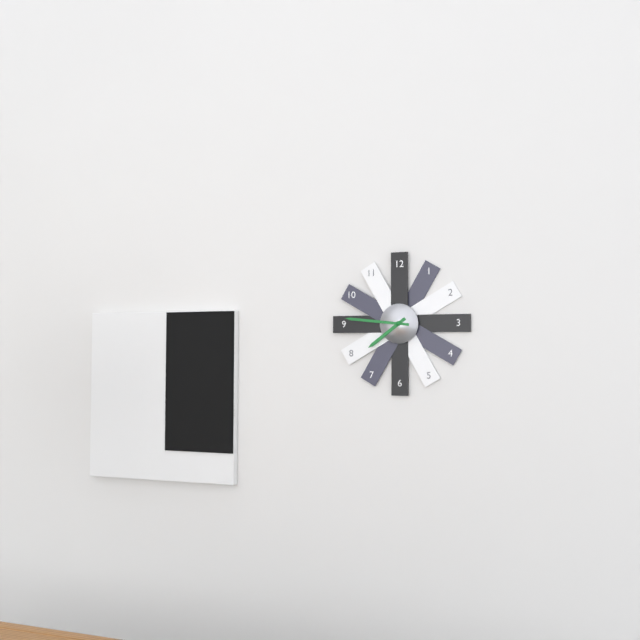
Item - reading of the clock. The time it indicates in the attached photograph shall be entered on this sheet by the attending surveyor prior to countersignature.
7:46
